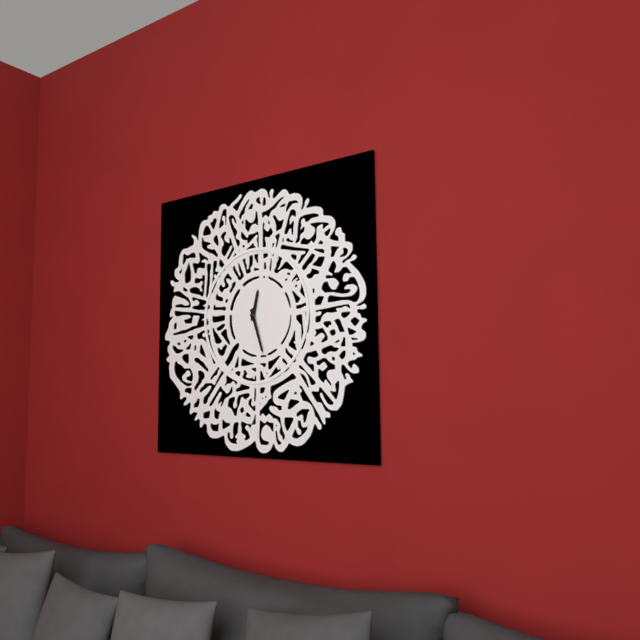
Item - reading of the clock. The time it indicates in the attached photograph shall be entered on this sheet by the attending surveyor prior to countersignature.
12:27
